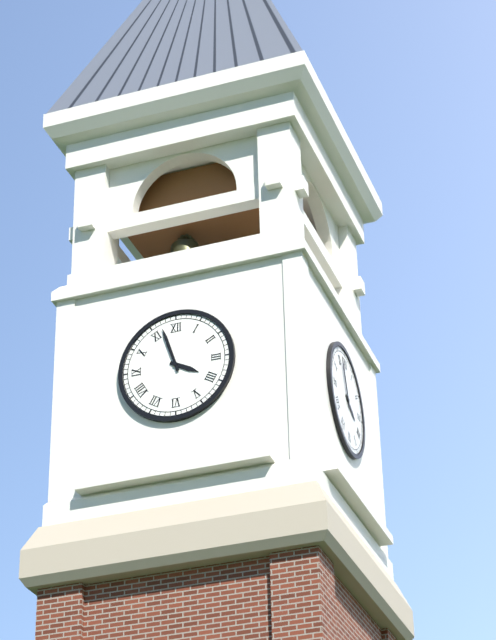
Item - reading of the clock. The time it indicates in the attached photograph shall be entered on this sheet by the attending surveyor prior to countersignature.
3:57
